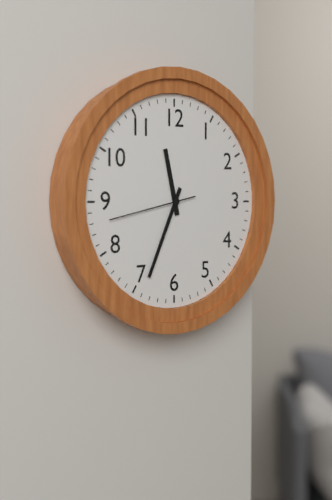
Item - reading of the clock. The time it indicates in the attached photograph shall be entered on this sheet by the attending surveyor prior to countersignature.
11:34:43
